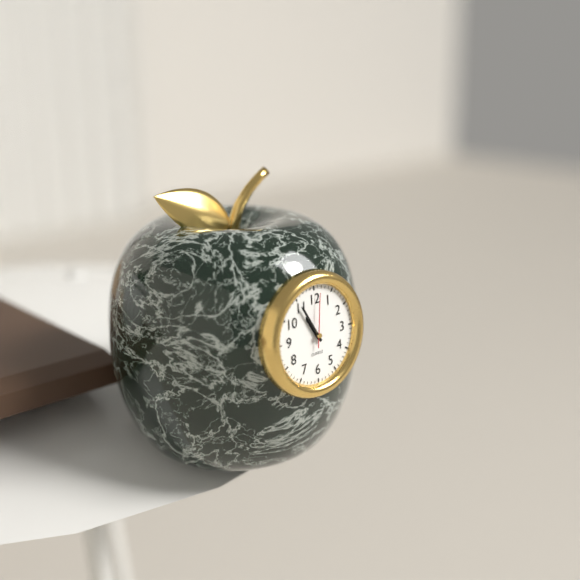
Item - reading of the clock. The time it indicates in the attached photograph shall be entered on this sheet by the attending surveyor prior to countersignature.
10:55:01
